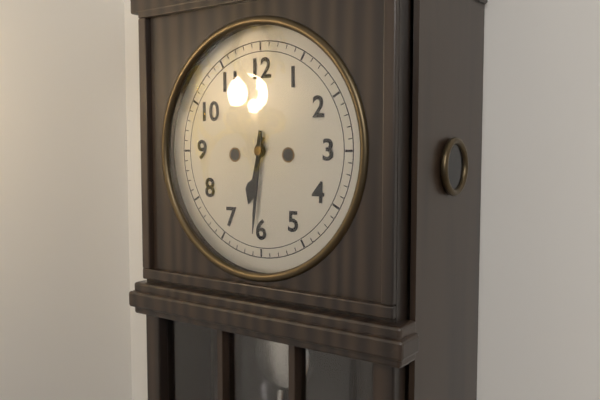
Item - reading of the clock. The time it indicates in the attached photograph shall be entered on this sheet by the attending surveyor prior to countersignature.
6:31
